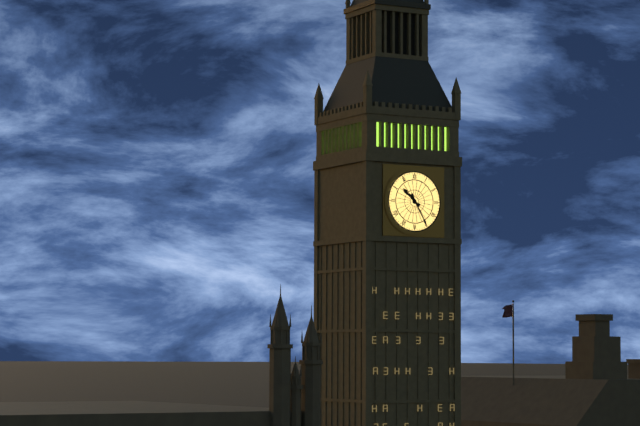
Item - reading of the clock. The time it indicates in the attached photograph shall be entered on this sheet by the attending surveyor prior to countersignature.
10:25
